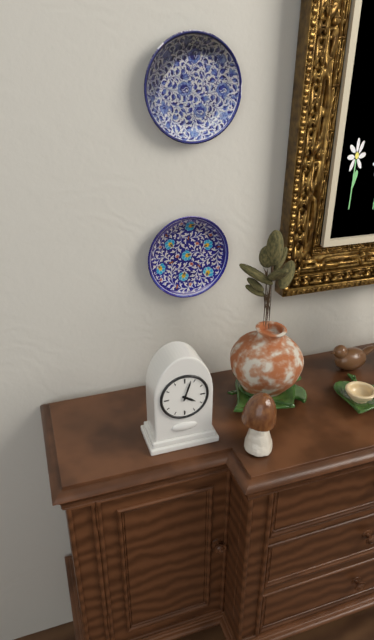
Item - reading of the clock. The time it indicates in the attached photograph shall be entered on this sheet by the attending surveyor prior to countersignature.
4:03
